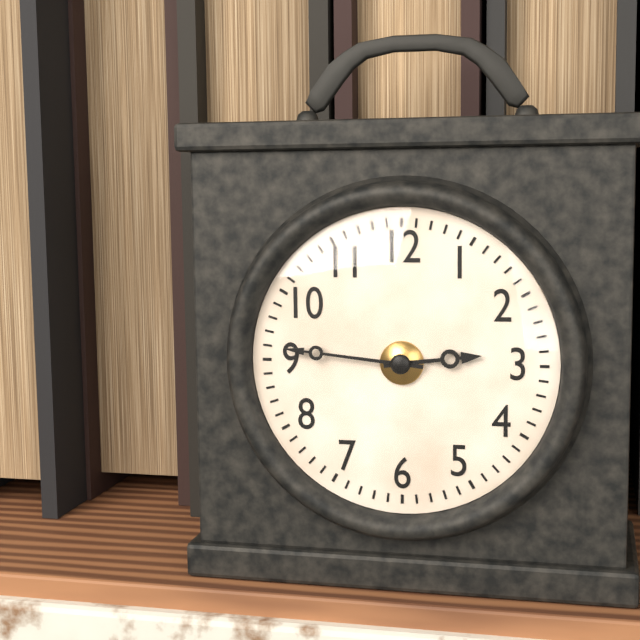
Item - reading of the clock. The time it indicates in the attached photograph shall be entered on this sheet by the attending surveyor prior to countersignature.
2:46
